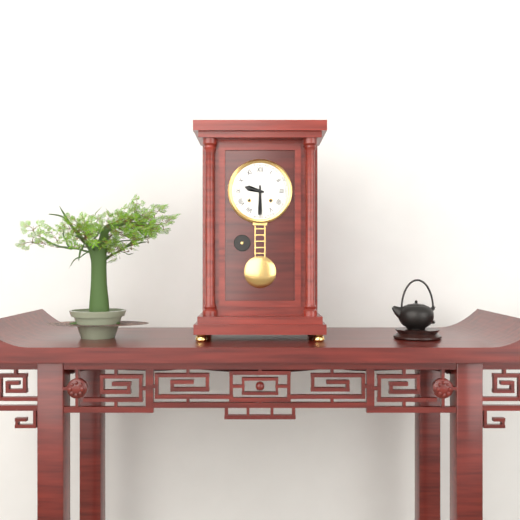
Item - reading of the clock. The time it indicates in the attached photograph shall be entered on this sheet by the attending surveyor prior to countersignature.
9:30
